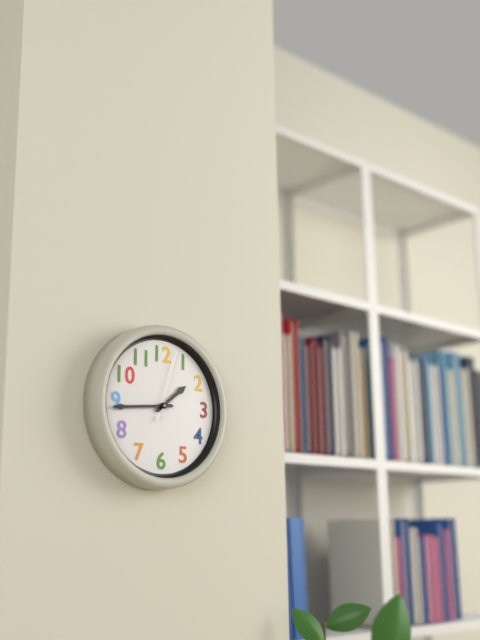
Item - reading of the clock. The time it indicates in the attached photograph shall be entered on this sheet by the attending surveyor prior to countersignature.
1:44:03
